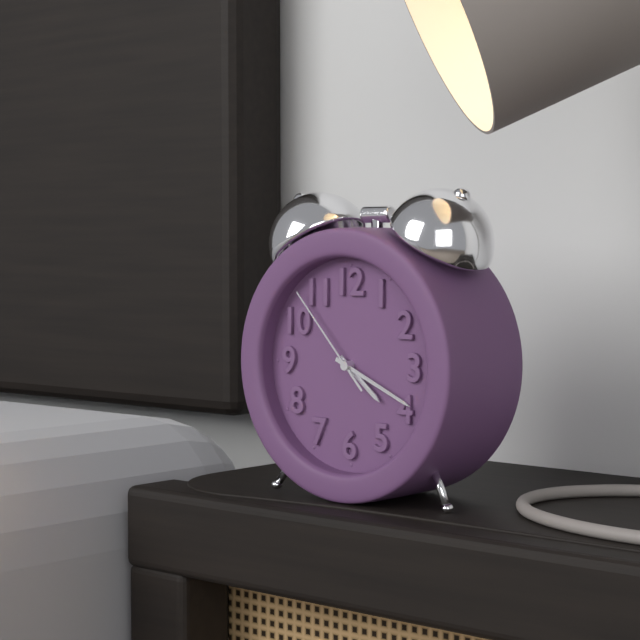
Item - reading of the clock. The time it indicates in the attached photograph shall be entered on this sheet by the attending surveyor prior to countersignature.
4:19:53
